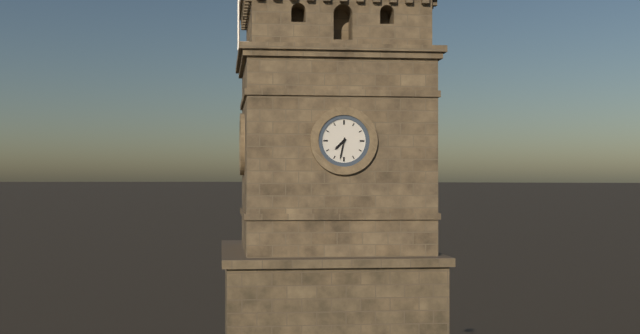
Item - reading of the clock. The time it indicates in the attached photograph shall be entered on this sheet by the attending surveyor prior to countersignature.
7:32
